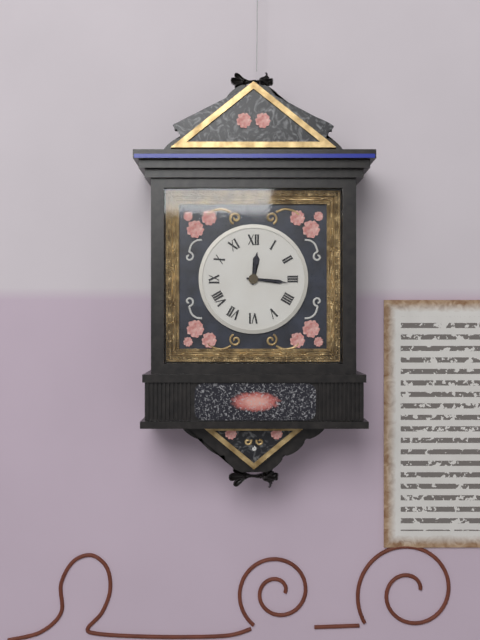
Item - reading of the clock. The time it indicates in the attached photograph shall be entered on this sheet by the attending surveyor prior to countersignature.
12:16
